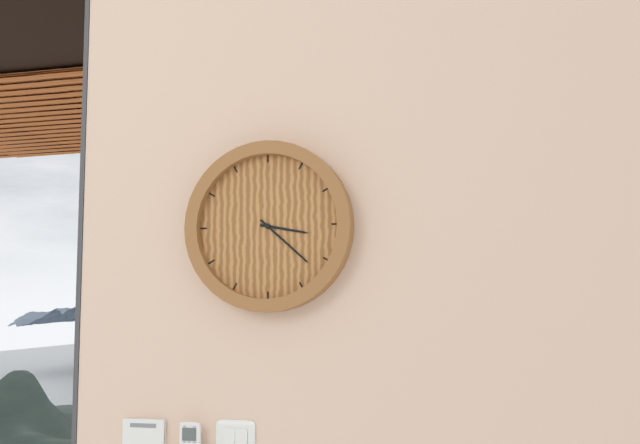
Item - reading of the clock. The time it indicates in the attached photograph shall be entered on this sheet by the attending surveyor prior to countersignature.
3:22
